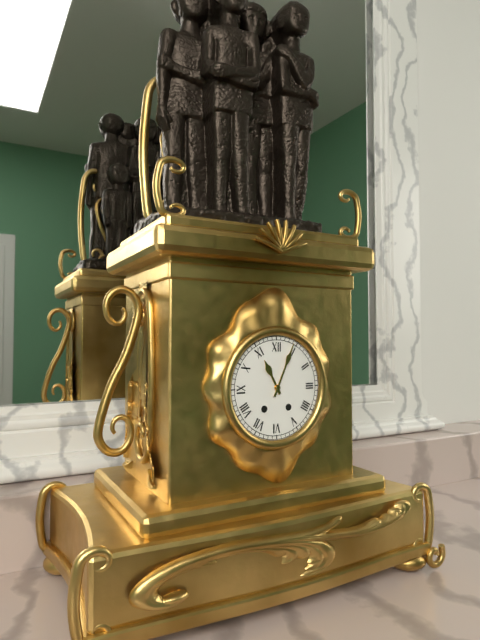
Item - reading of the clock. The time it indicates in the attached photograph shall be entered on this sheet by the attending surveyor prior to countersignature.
11:04
